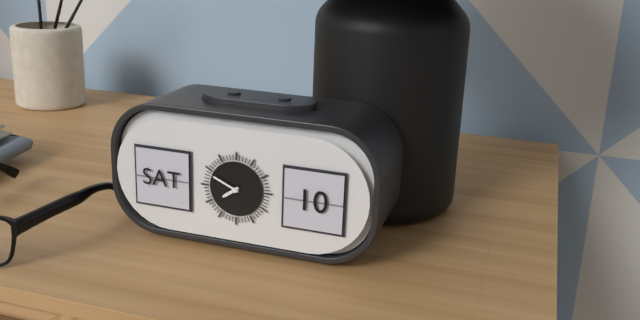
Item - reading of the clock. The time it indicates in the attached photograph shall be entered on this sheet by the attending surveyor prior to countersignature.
7:49
